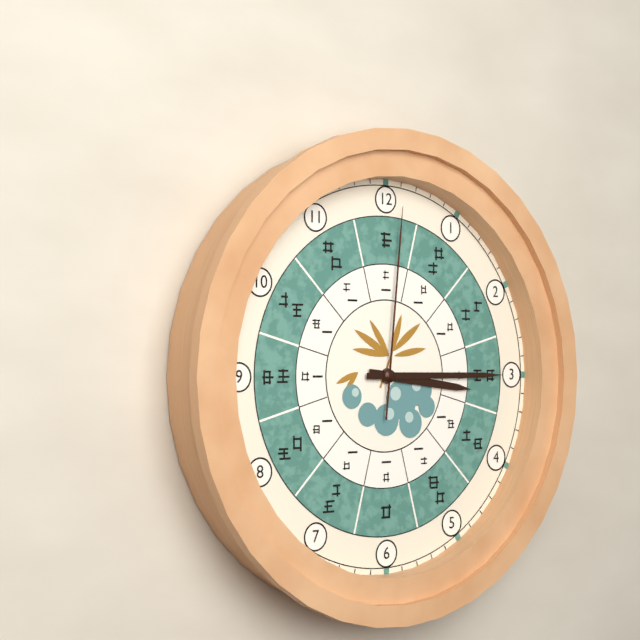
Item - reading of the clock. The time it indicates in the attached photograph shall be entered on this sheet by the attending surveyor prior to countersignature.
3:15:01
